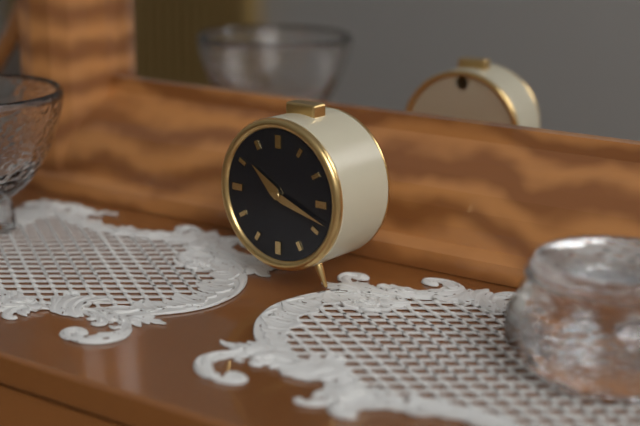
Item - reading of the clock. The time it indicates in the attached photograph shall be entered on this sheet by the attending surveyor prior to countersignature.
10:18
